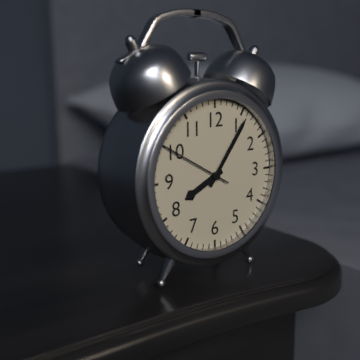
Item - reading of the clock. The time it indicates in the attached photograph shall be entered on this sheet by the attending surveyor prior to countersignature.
8:06:50
